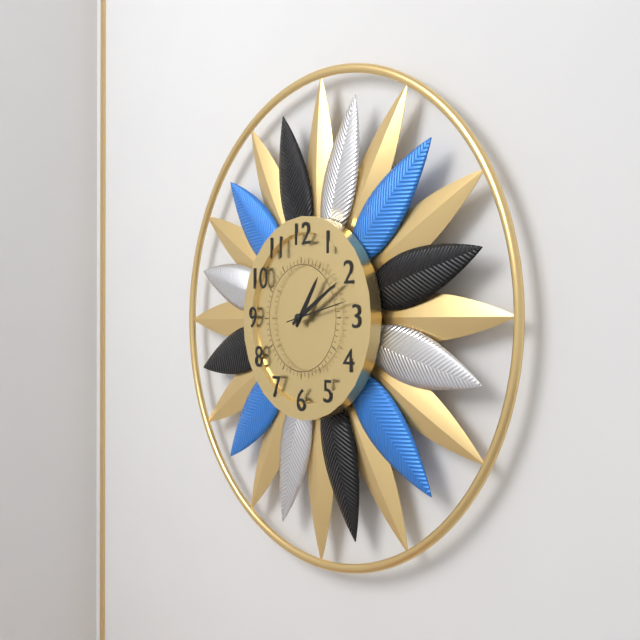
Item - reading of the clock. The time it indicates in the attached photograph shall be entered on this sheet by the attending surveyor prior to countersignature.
1:10
